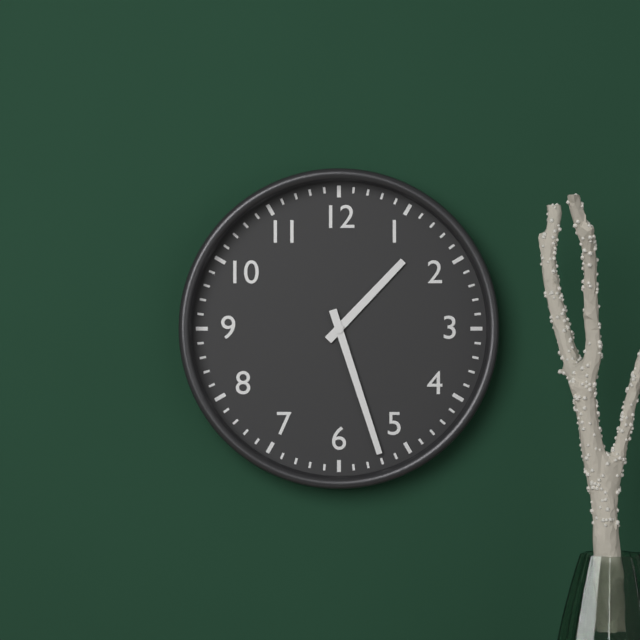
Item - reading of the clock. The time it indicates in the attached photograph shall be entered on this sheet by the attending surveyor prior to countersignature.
1:27
